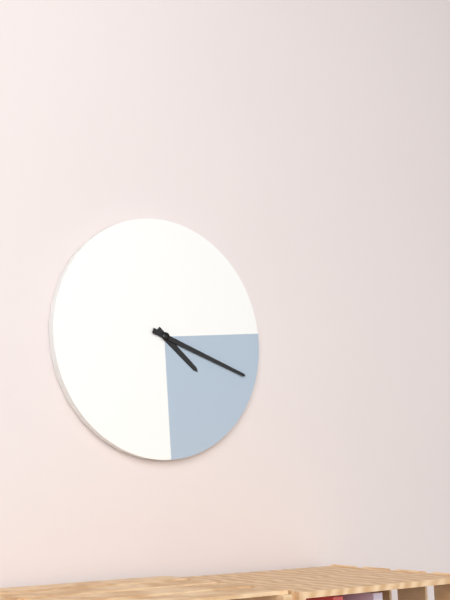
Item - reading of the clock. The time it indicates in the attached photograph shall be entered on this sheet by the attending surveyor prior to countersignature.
4:18
